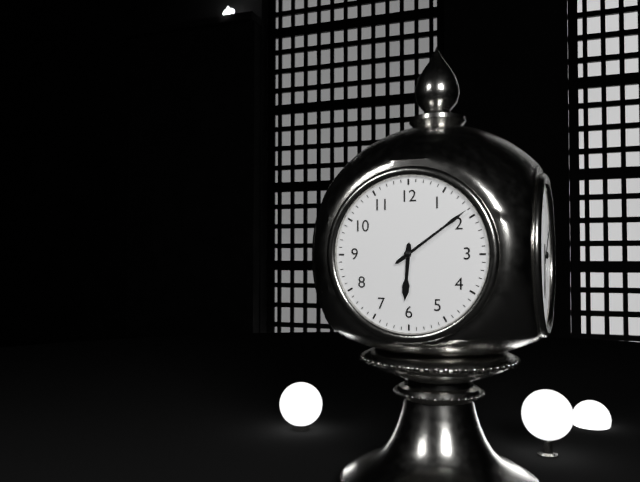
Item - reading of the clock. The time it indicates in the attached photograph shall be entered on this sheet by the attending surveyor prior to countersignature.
6:09
